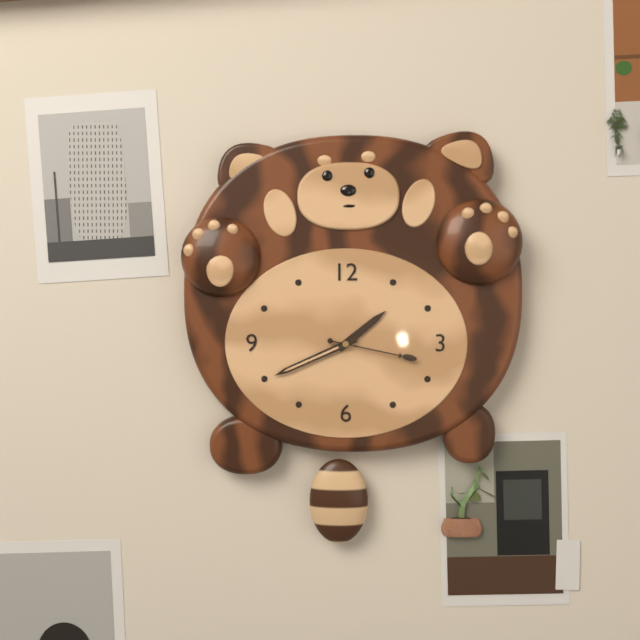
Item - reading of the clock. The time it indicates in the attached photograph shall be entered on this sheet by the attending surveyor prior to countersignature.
1:41:17
